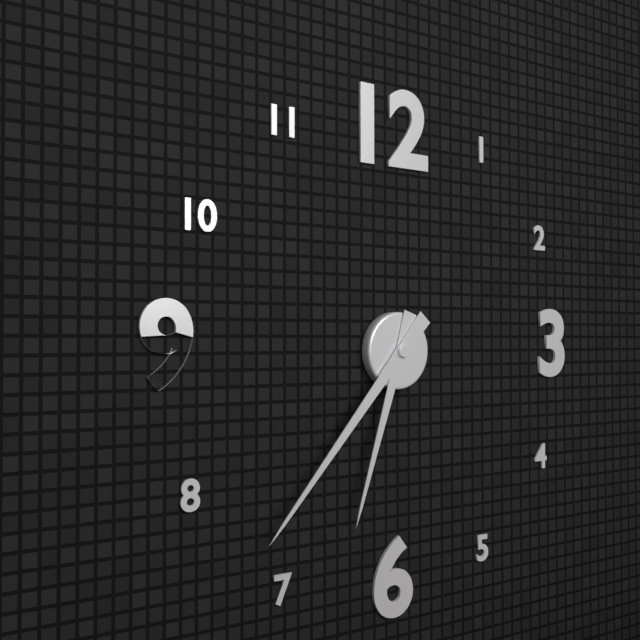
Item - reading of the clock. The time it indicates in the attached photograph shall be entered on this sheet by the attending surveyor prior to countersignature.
6:37
